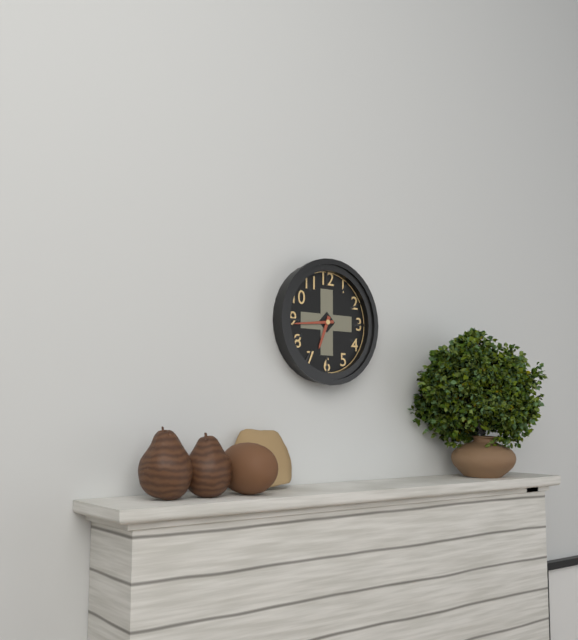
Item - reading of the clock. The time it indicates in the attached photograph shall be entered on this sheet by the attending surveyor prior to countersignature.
6:44
